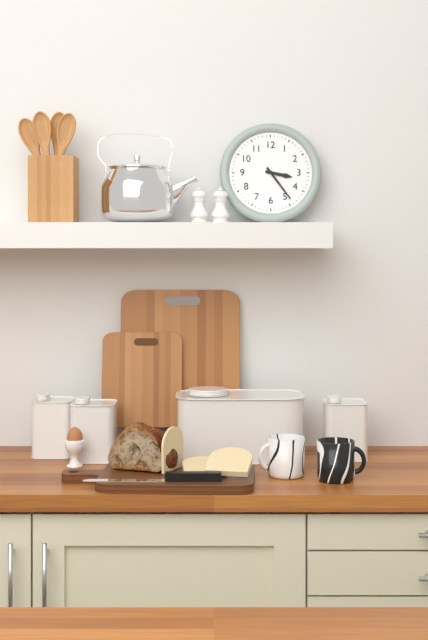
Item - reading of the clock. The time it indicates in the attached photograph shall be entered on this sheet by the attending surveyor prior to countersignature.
3:24
